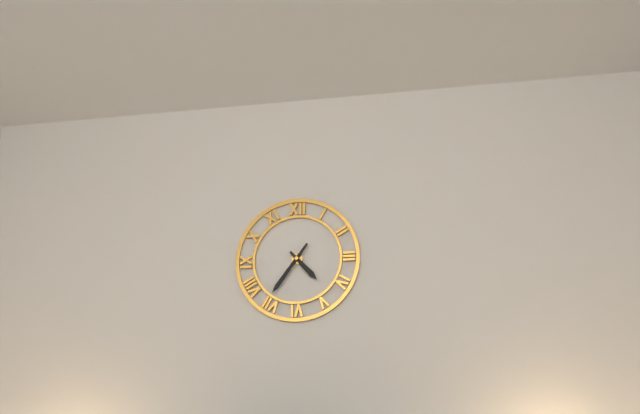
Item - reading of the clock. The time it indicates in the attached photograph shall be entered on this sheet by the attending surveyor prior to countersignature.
4:36
